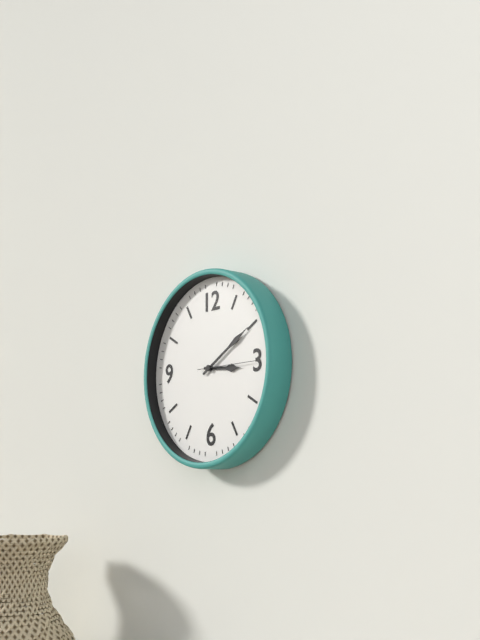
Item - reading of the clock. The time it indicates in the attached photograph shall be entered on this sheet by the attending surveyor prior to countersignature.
3:10:15
